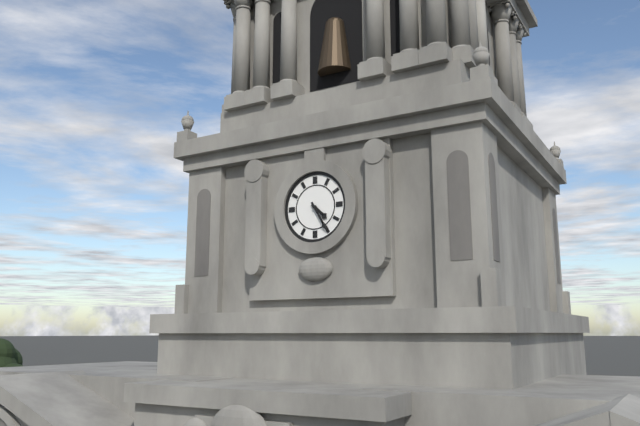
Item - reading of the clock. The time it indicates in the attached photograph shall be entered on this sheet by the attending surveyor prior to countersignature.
4:25
